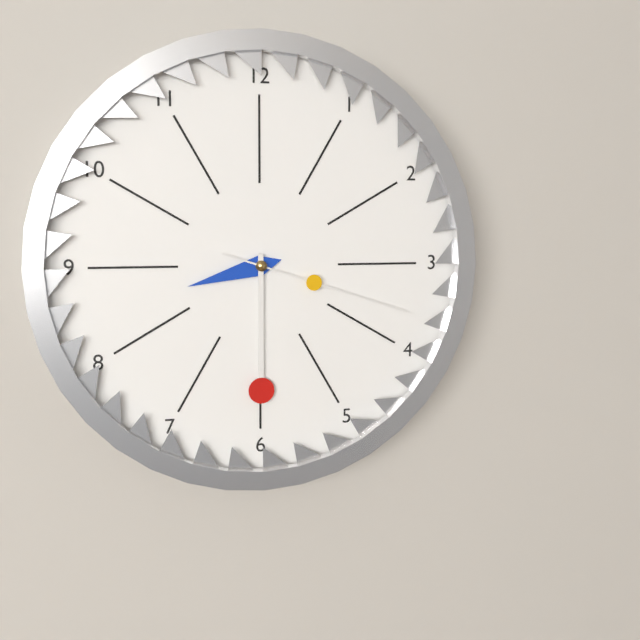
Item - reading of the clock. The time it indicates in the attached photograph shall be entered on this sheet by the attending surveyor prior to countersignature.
8:30:18
